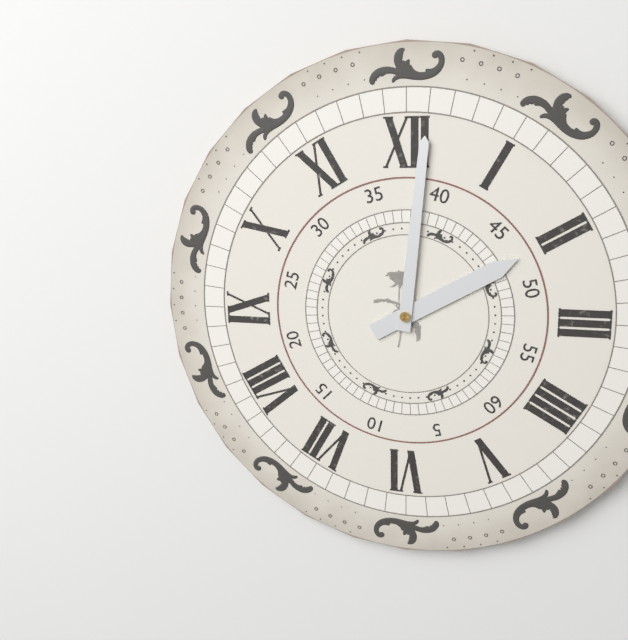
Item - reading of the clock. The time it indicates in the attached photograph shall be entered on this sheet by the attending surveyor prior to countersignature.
2:01
